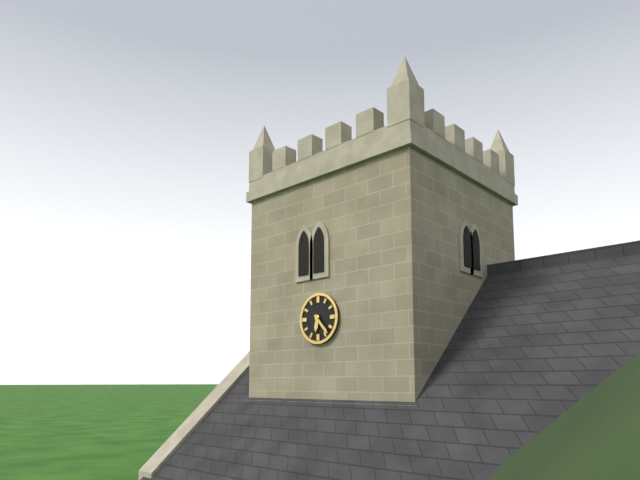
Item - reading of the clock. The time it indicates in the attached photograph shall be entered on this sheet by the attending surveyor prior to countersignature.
6:23
